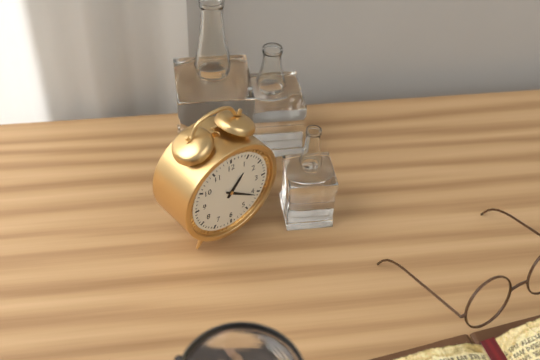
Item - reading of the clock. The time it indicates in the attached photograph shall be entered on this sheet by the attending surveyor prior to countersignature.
1:21
